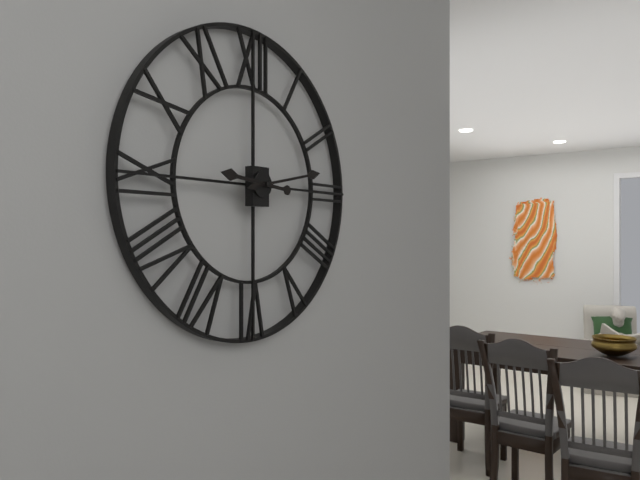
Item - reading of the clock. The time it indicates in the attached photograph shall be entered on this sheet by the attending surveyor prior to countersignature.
9:13
